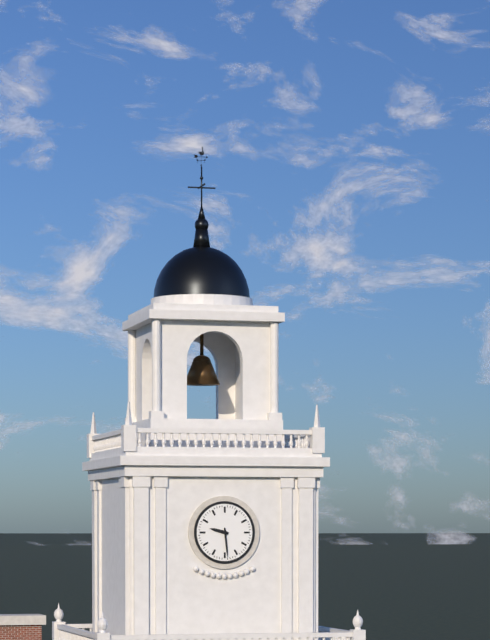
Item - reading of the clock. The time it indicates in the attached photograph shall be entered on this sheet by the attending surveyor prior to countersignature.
9:29
